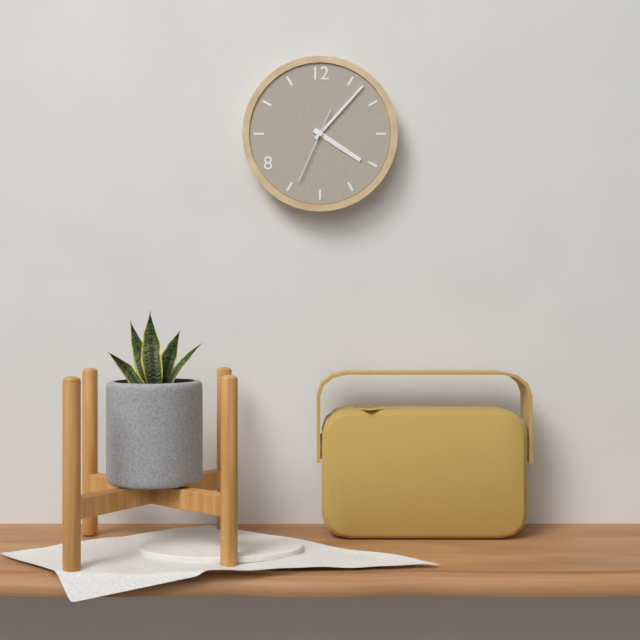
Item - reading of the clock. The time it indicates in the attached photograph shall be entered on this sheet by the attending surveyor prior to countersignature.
4:07:34
